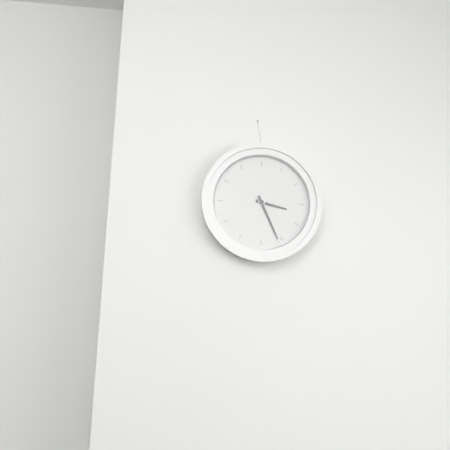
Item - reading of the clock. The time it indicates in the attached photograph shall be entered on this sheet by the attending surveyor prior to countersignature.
3:26
